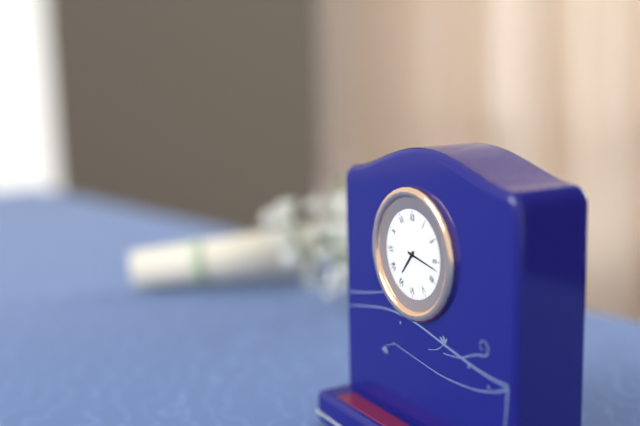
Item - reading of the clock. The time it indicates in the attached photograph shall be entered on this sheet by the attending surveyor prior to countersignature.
7:17
